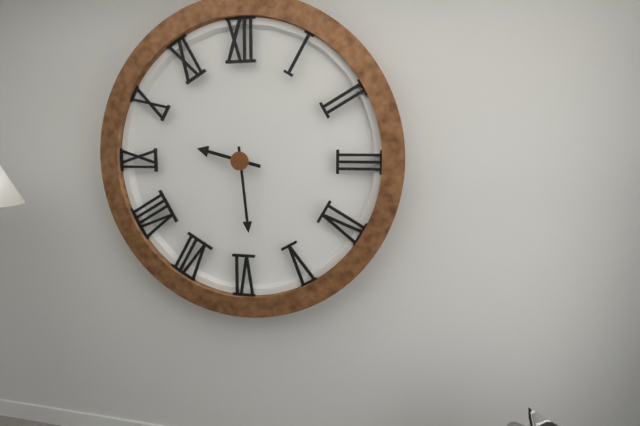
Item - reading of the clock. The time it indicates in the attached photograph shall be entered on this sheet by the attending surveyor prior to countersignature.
9:29
